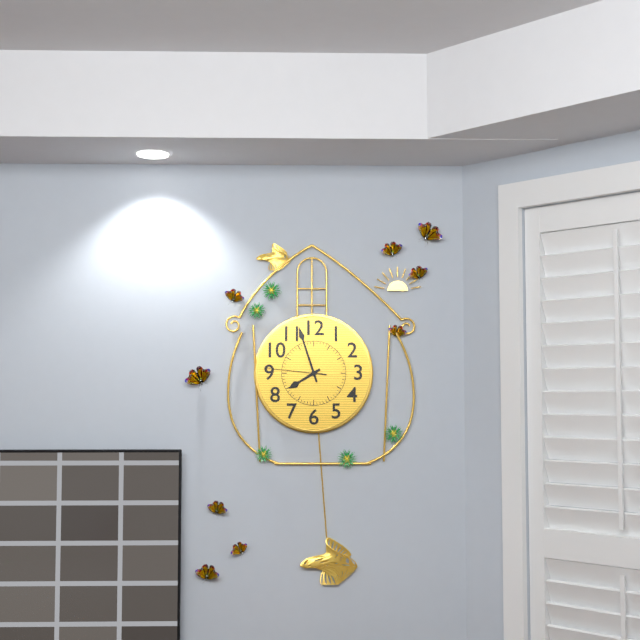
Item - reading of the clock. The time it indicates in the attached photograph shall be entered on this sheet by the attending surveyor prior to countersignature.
7:57:46
